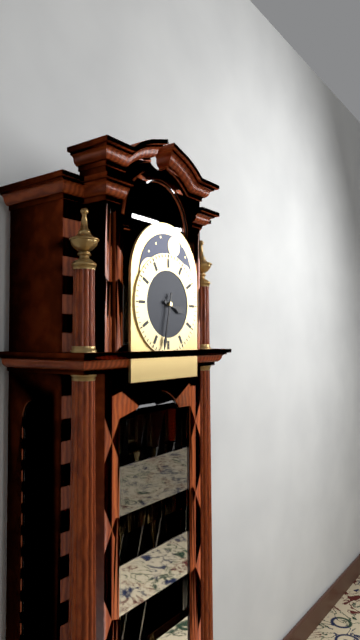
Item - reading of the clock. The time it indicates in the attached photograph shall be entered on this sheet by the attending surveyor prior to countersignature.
3:32
